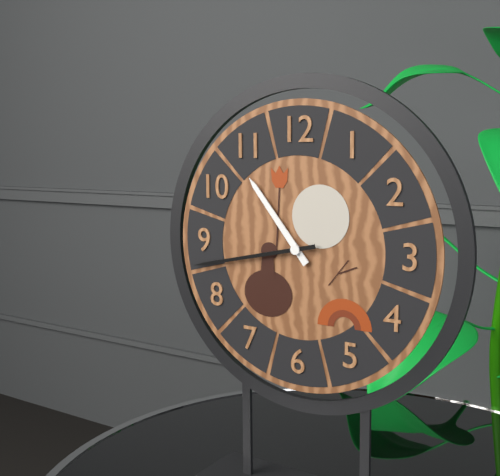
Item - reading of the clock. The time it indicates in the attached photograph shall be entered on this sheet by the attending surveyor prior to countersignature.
10:43
